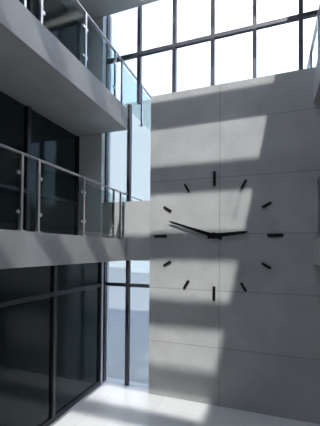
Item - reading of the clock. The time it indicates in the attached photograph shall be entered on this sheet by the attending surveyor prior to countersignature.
2:48
